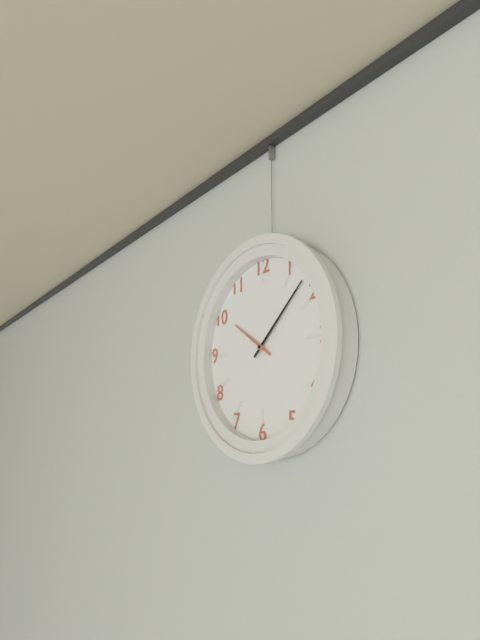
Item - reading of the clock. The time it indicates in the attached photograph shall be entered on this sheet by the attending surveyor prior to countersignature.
10:08
